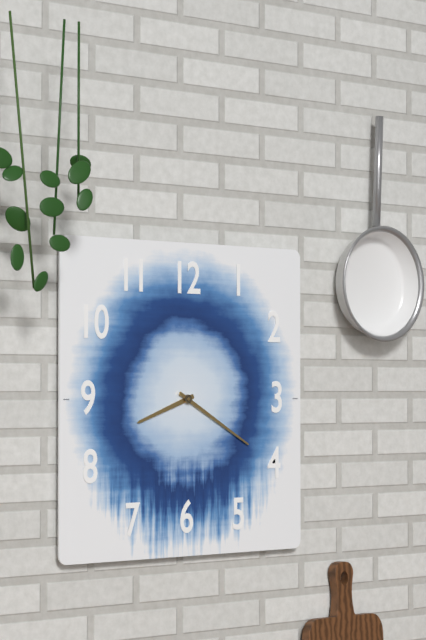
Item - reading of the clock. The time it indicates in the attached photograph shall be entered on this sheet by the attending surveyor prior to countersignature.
8:20
